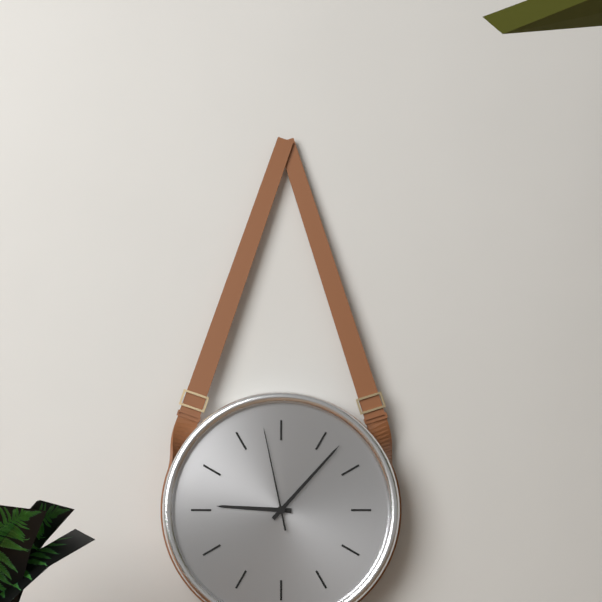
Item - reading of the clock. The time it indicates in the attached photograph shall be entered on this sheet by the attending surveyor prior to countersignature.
9:07:58
